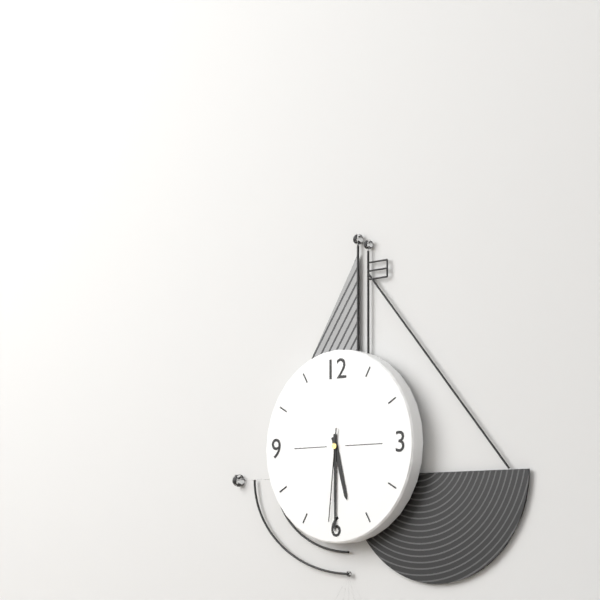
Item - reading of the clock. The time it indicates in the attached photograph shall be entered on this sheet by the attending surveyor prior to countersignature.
5:30:31
